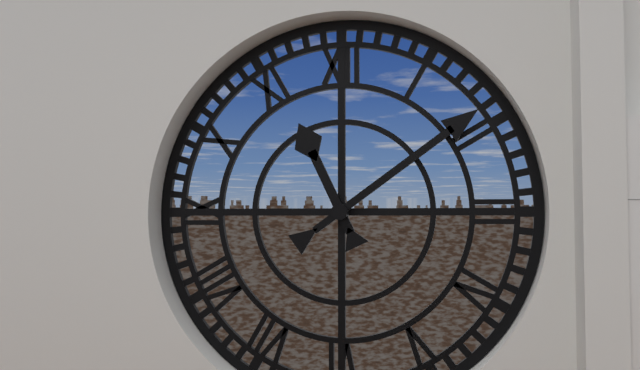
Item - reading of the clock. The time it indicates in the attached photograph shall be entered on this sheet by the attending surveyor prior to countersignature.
11:09
